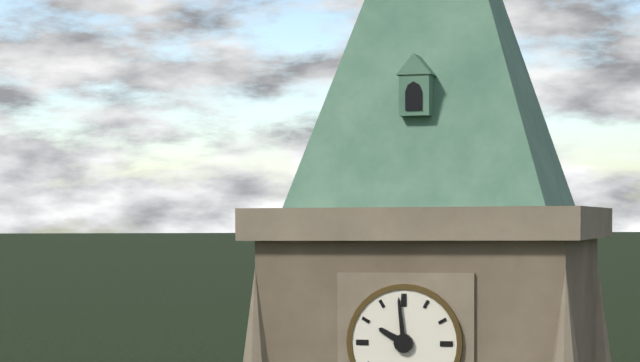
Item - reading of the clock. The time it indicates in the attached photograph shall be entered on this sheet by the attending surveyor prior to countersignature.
9:59
